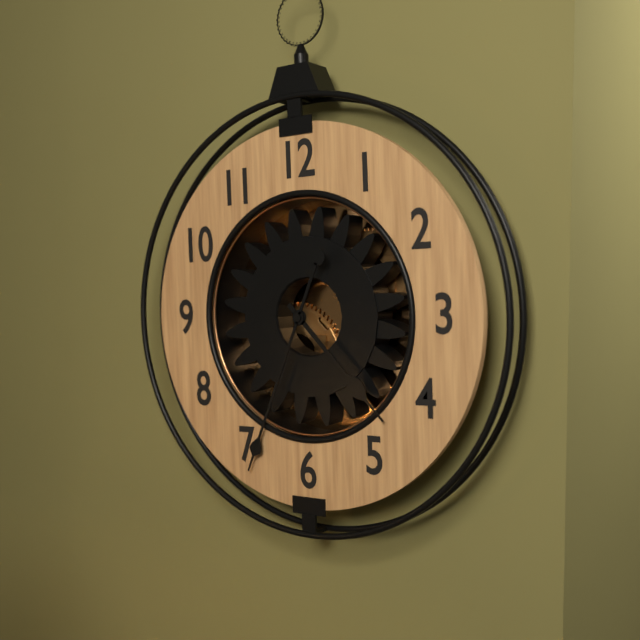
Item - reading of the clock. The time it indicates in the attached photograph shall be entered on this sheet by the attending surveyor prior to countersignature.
4:34
